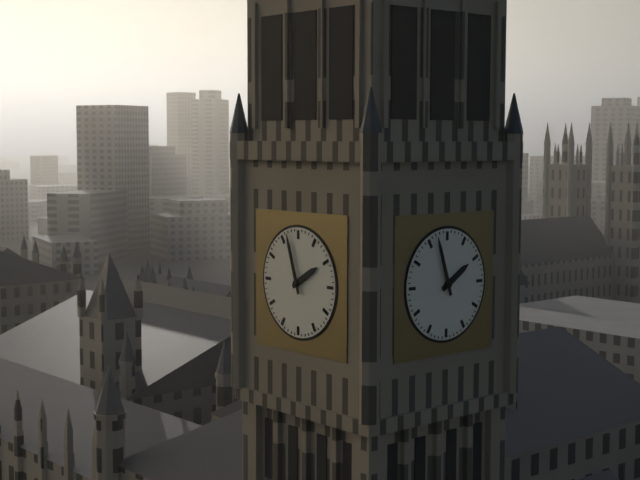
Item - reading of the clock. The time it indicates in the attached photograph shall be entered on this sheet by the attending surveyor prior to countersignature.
1:57
